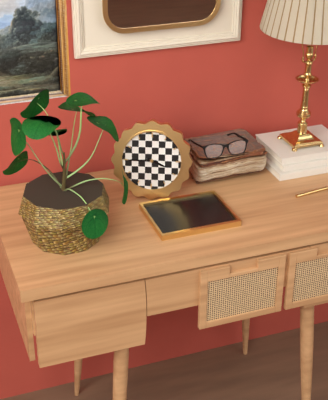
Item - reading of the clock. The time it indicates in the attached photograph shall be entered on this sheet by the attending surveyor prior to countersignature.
3:45
